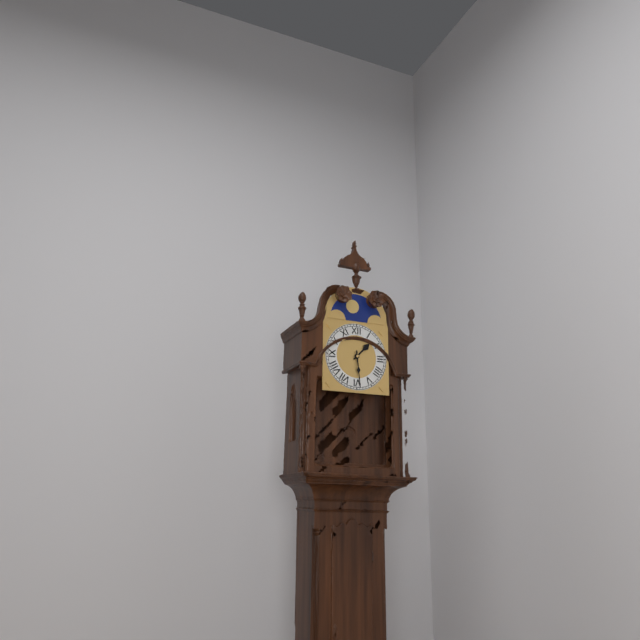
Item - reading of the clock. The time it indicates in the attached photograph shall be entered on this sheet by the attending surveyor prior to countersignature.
1:29
